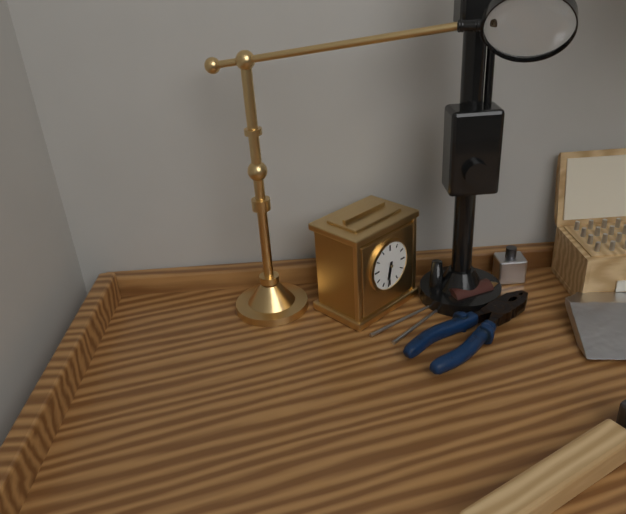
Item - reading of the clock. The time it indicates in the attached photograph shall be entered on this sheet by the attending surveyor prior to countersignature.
6:32
